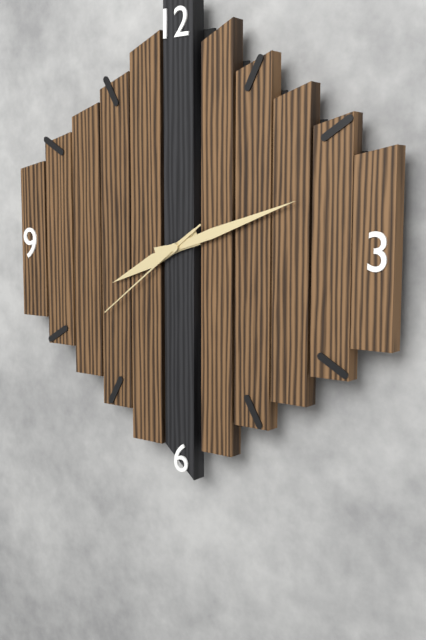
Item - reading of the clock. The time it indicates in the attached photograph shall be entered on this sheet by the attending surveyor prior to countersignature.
8:12:39
